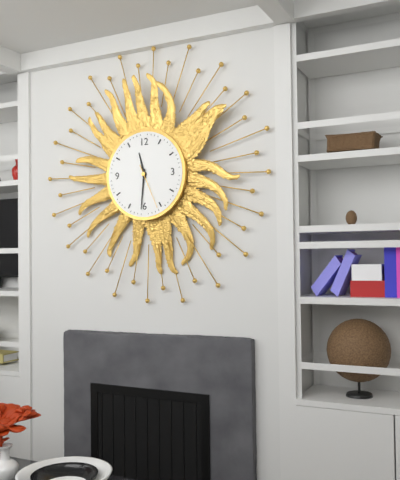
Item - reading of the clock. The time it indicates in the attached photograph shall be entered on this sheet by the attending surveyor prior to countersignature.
11:31
